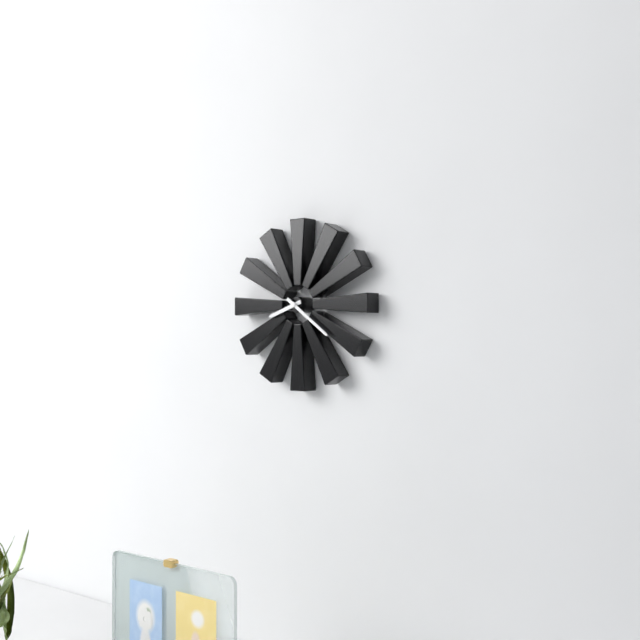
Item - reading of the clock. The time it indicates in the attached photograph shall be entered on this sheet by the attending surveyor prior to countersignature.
8:21
